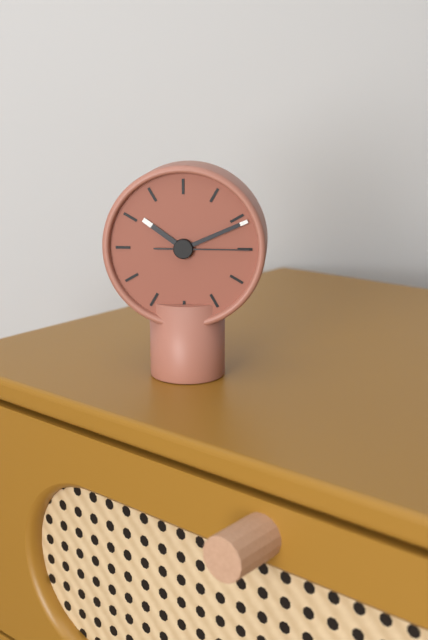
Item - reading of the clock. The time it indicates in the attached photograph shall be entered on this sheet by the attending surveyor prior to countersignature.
10:11:15
